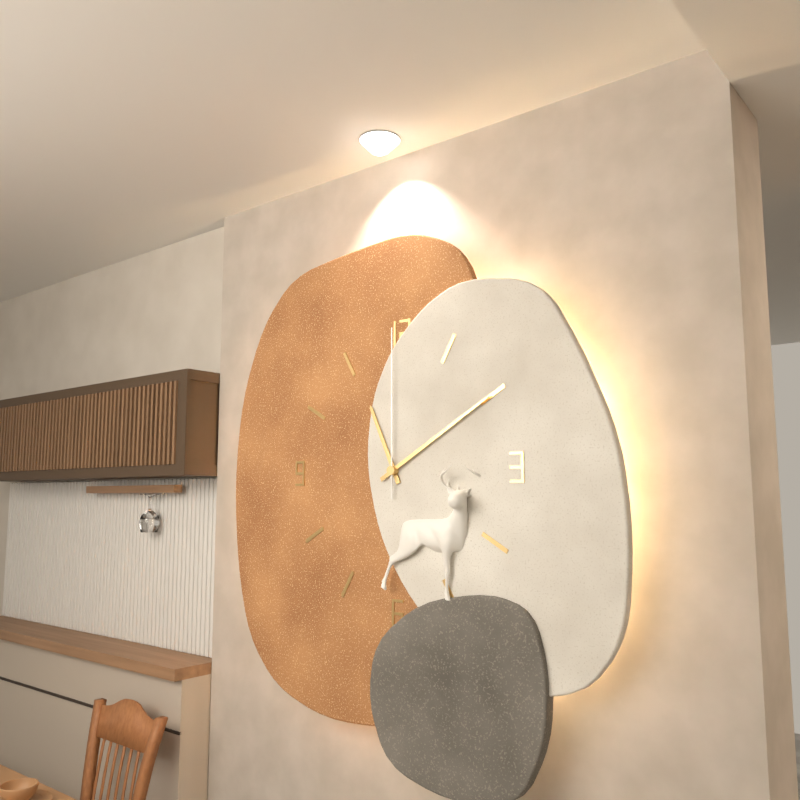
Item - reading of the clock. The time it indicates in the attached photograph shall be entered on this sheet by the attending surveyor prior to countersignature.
11:10:00
